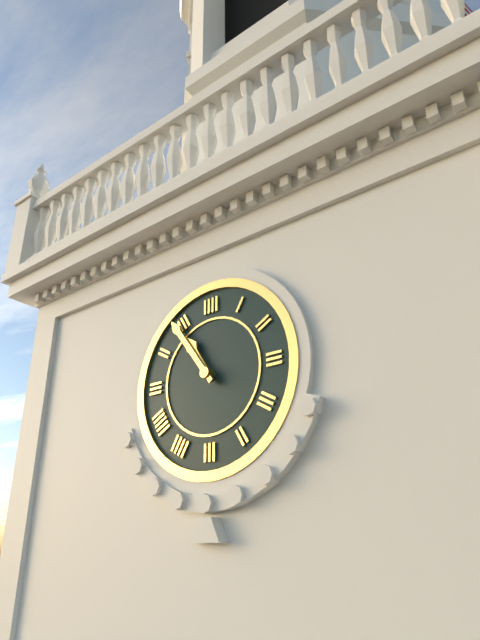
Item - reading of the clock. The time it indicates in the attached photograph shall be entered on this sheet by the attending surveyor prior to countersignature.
10:54
